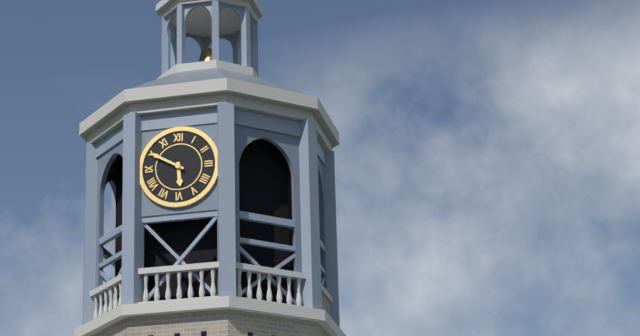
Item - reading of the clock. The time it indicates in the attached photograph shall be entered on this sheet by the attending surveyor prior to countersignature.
5:50
